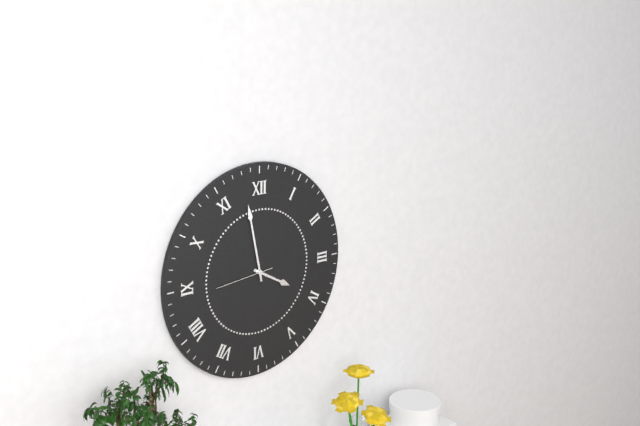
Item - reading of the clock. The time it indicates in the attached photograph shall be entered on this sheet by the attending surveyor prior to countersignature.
3:58:44
